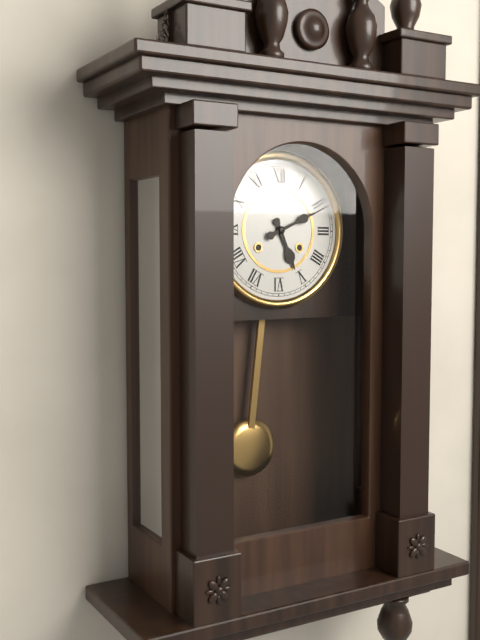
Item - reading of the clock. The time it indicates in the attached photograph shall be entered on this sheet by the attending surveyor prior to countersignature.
5:11
